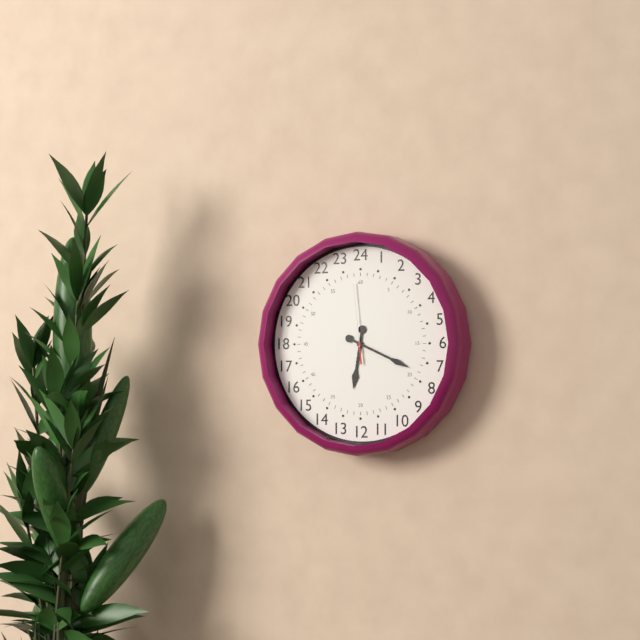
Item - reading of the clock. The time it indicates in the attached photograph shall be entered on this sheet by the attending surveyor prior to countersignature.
6:19:59
